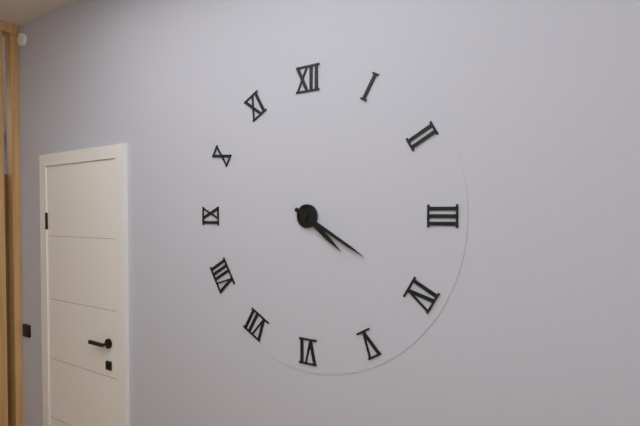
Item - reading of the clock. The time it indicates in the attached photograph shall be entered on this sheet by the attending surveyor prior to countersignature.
4:20
